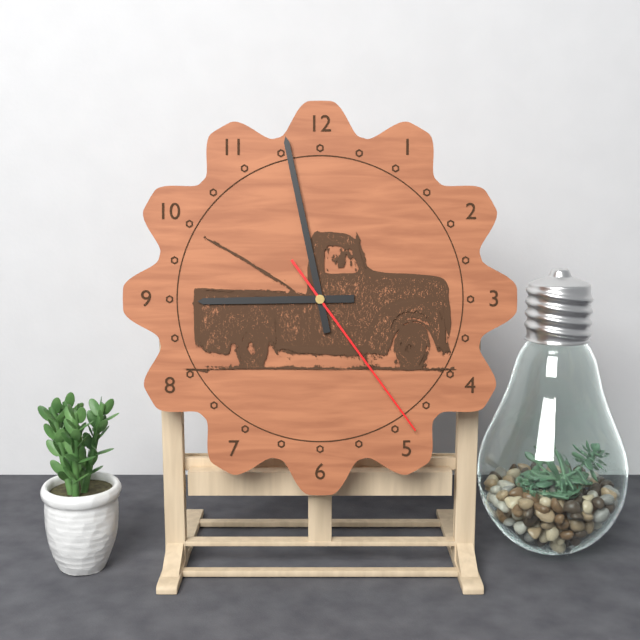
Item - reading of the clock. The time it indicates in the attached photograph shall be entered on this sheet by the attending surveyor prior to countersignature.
8:58:24
